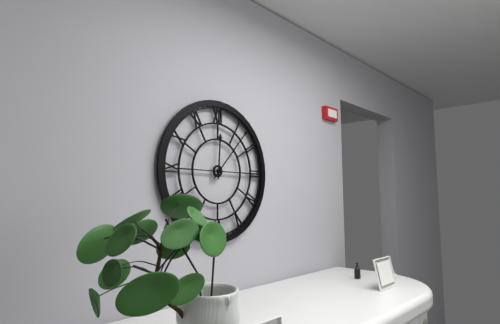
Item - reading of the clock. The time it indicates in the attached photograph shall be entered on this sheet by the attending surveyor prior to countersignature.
12:07
